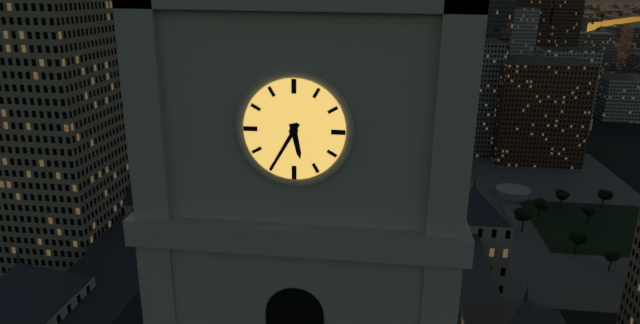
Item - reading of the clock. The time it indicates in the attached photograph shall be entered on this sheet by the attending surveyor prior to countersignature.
5:35
